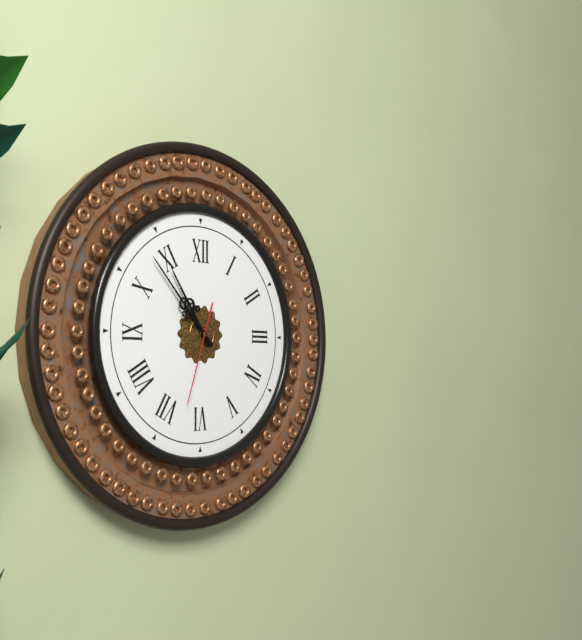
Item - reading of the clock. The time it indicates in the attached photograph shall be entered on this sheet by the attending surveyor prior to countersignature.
10:53:33
